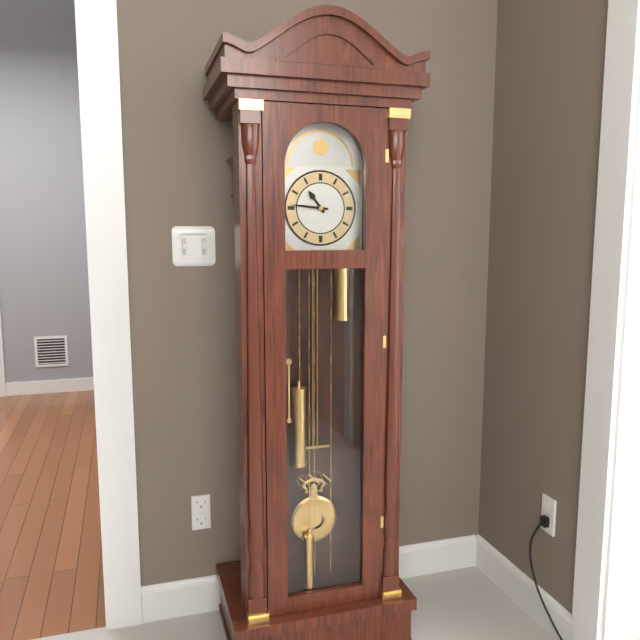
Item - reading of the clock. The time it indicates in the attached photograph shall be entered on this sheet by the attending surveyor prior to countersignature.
10:46
